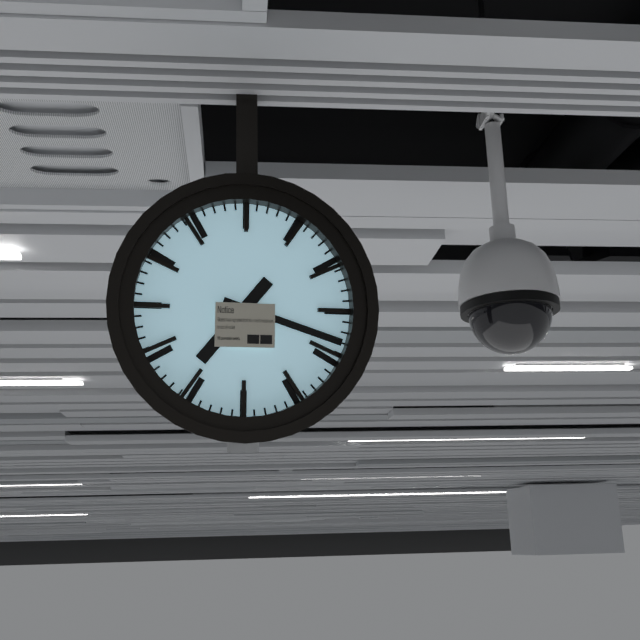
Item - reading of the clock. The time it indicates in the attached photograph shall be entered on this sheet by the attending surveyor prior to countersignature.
7:18
